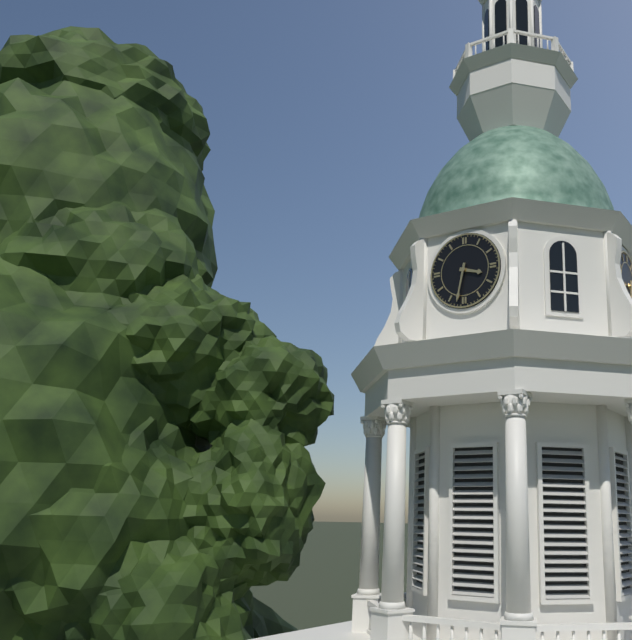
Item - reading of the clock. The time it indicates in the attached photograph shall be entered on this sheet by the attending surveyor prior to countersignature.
3:32
